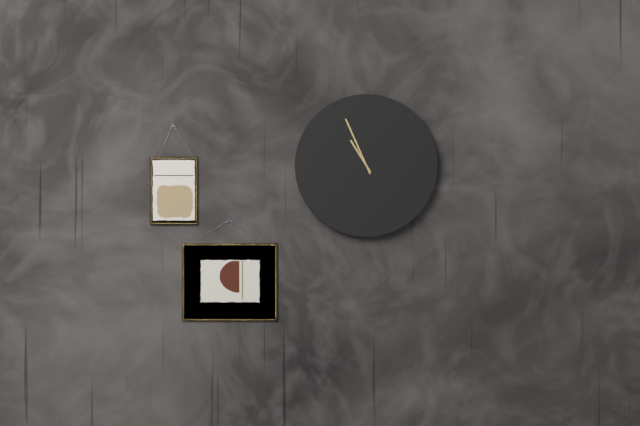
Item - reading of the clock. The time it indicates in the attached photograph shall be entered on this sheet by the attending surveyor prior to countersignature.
10:56
